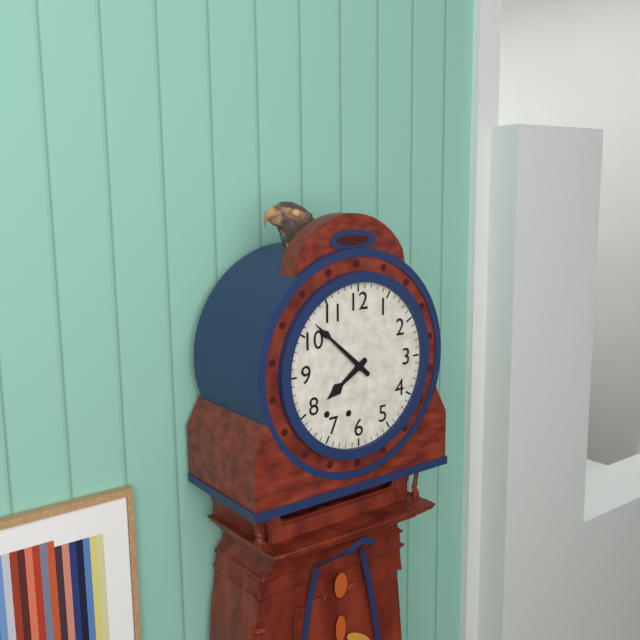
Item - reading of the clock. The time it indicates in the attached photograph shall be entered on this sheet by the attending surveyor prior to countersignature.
7:52
